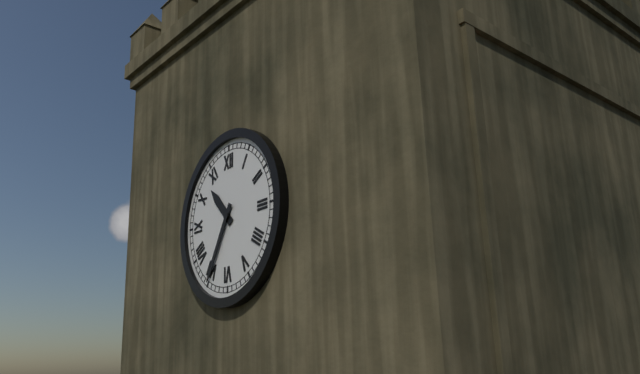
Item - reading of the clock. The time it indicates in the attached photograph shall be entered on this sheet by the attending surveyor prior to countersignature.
10:35
